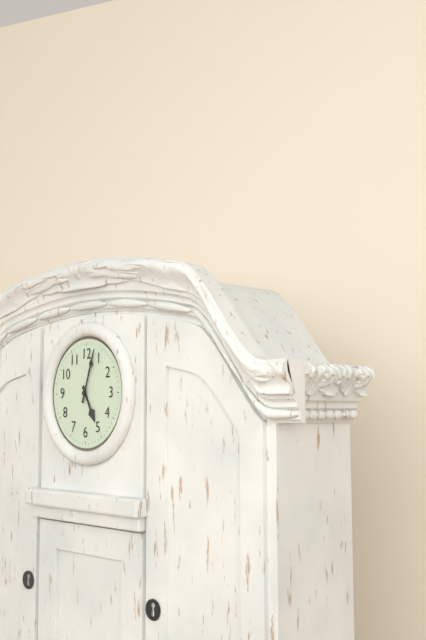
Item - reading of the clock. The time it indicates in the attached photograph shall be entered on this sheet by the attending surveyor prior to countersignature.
5:03
